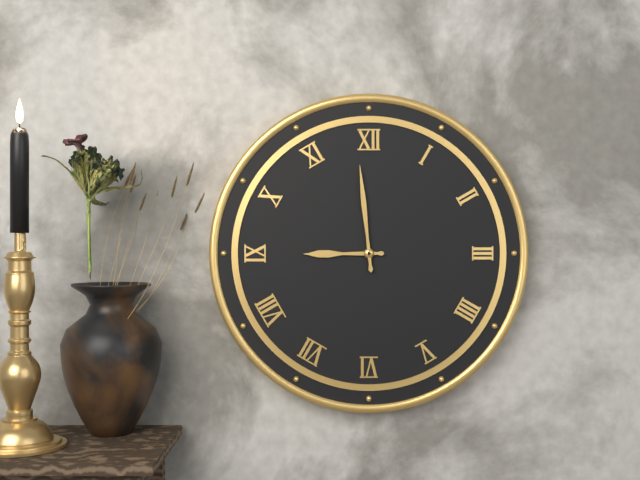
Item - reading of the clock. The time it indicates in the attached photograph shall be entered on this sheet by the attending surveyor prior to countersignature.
8:59
